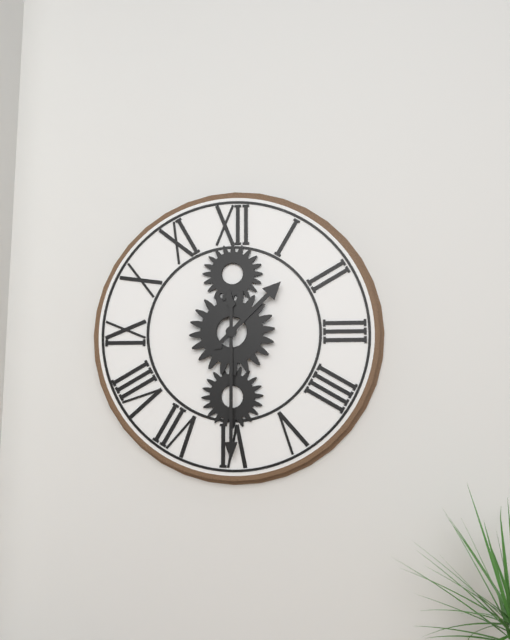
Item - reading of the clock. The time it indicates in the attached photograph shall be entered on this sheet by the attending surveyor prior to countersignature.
1:30
